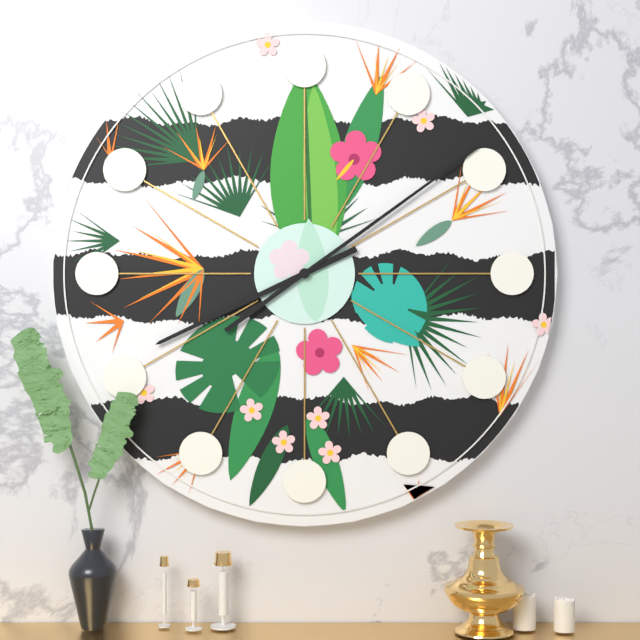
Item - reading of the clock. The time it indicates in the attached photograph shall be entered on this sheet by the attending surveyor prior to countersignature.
8:09
